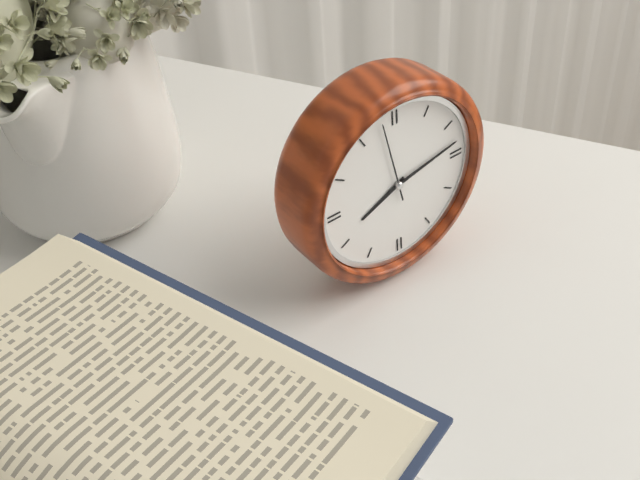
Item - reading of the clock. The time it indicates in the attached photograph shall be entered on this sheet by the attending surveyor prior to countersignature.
8:13:58
